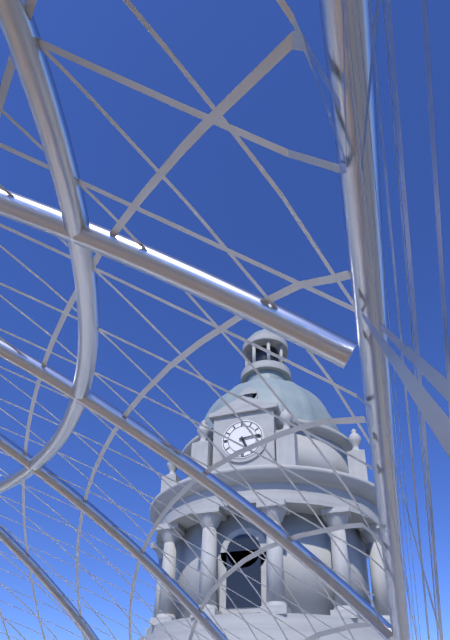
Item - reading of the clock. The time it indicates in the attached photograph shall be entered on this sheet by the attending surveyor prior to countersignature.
5:14
